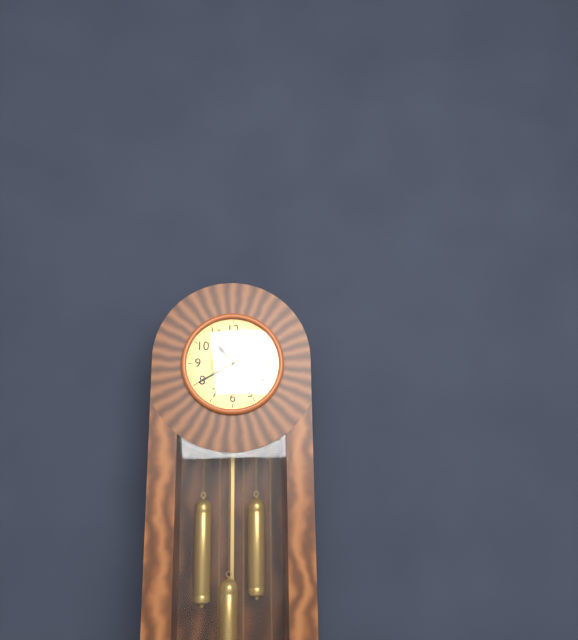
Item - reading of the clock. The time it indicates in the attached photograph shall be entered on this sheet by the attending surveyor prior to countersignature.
10:40
